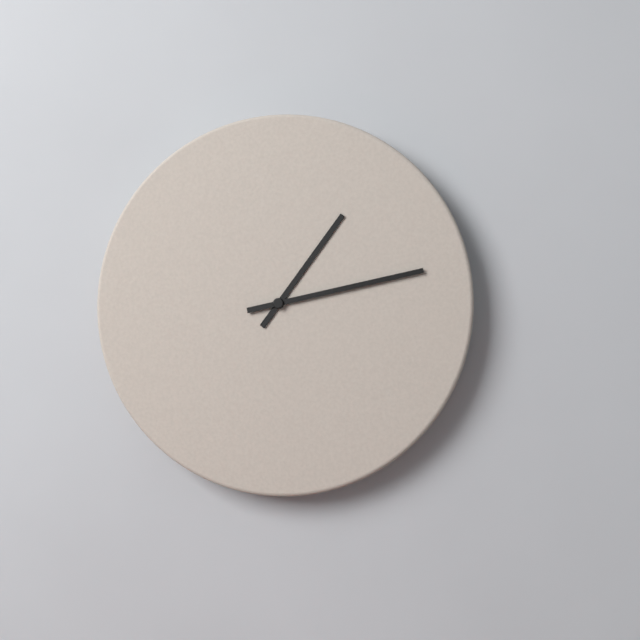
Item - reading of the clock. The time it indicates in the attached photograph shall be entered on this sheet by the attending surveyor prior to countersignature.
1:13
